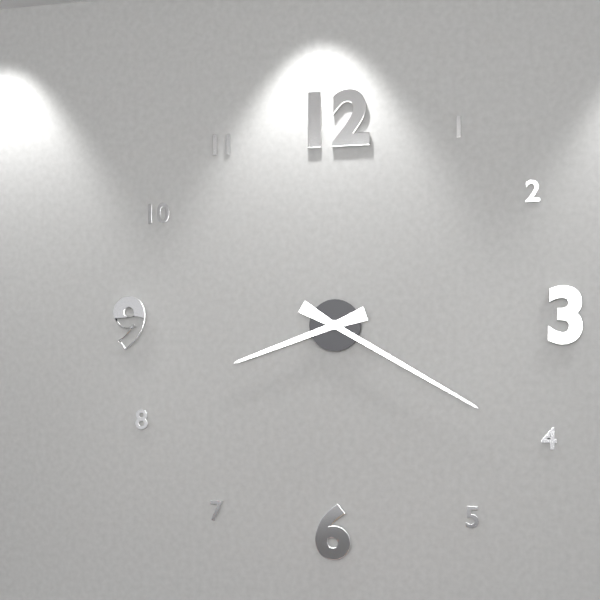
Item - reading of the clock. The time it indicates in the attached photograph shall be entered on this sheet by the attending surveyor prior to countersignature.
8:20
